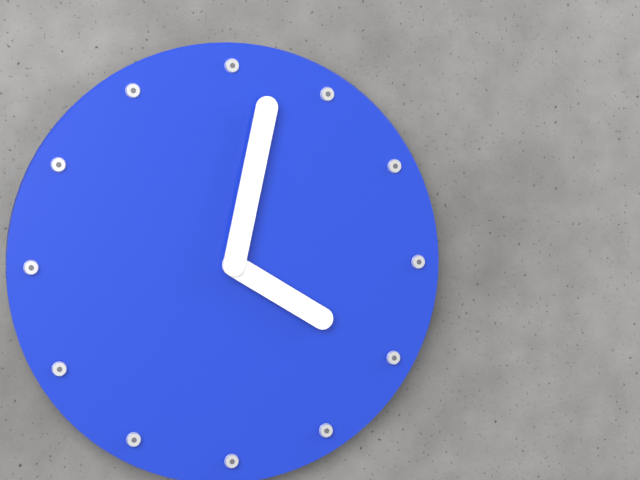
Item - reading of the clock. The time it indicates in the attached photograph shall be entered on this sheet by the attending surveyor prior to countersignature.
4:02
